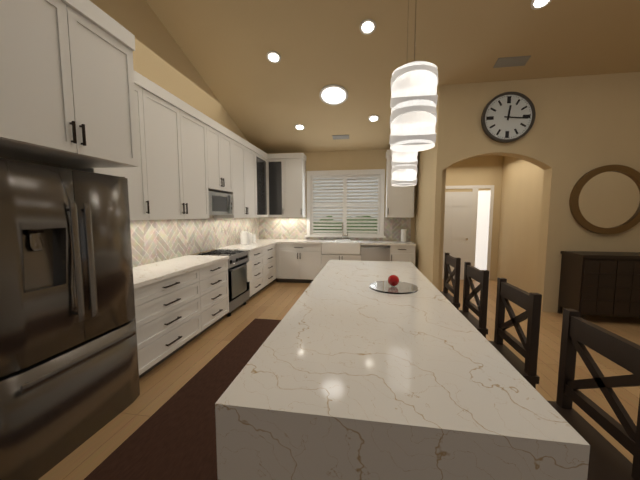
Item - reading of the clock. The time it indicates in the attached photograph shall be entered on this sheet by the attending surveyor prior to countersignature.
12:16
